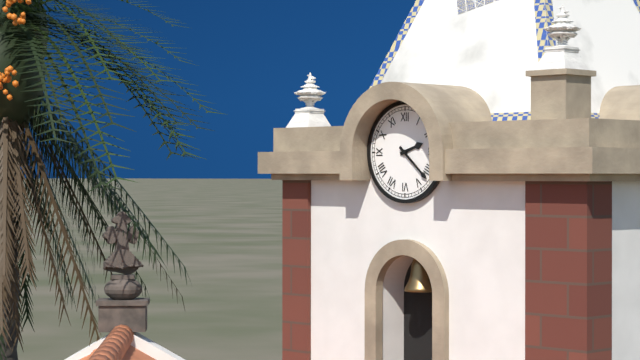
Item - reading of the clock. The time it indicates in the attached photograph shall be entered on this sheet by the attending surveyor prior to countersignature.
2:22
